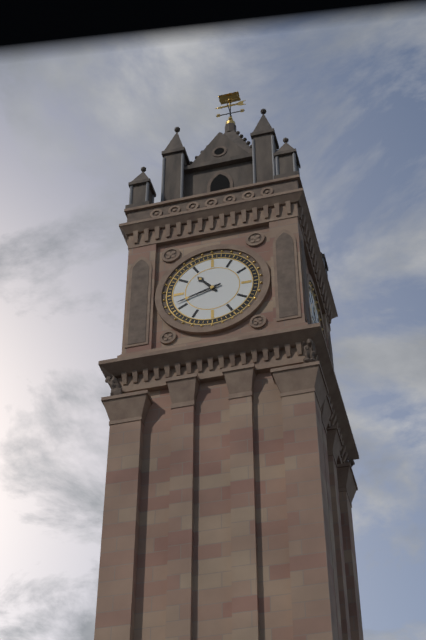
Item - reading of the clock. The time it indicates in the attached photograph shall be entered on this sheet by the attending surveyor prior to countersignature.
10:42
